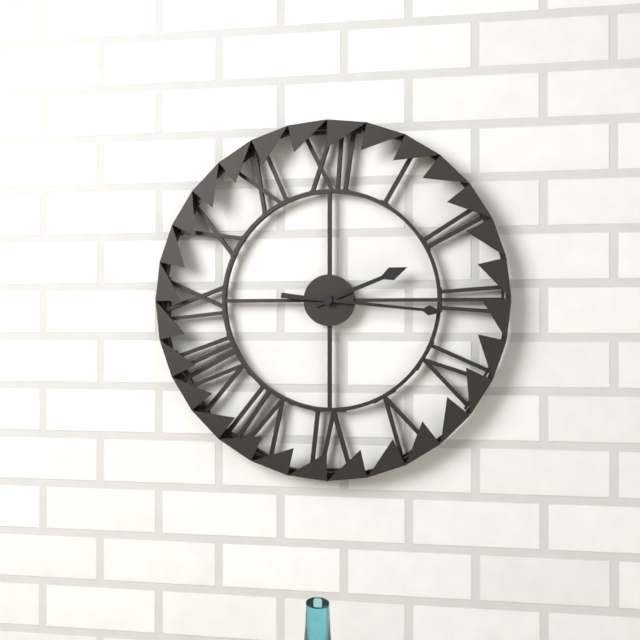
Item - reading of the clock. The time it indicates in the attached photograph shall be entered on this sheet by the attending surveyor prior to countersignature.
2:16
